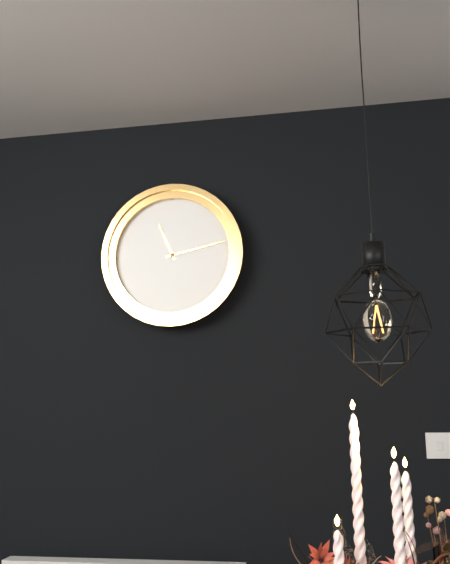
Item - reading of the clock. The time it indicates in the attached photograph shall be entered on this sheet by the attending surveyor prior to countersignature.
11:13
